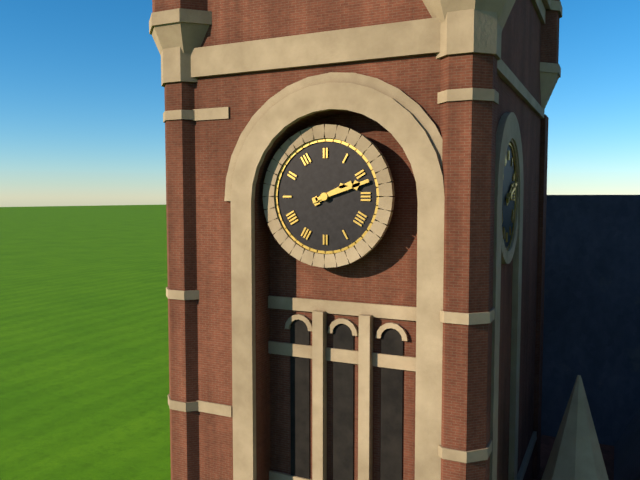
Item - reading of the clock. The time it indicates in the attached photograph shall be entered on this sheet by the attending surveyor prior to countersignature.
2:12
